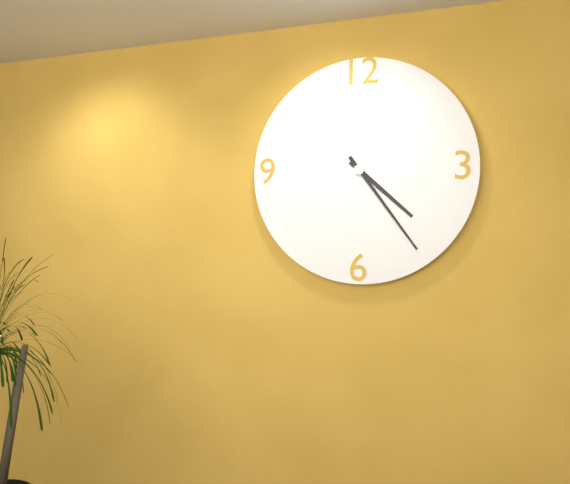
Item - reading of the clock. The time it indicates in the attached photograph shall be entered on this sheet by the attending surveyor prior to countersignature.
4:24
